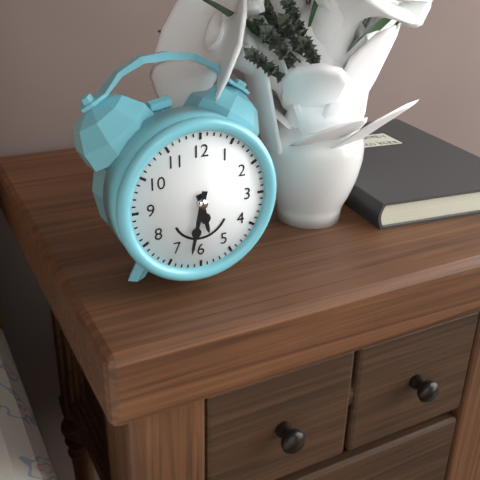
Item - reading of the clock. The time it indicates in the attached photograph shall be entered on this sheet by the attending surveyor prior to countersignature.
5:32
